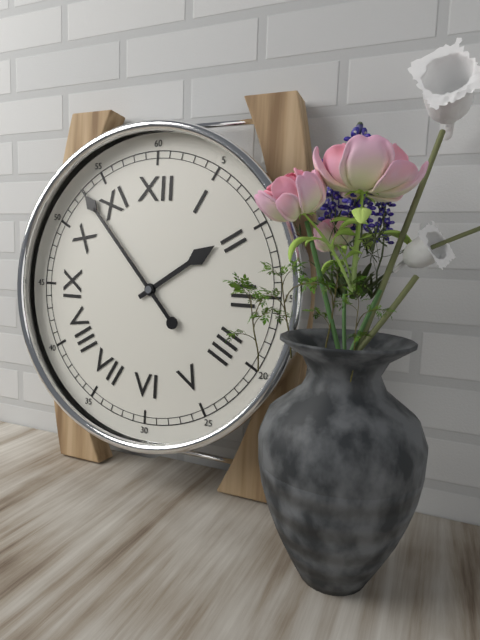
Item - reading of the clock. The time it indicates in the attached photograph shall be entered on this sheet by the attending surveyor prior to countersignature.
1:53
